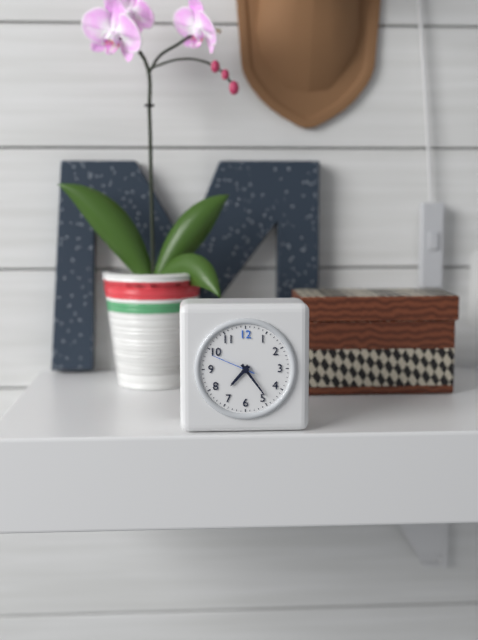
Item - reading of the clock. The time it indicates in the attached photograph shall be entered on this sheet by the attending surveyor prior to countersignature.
7:24
